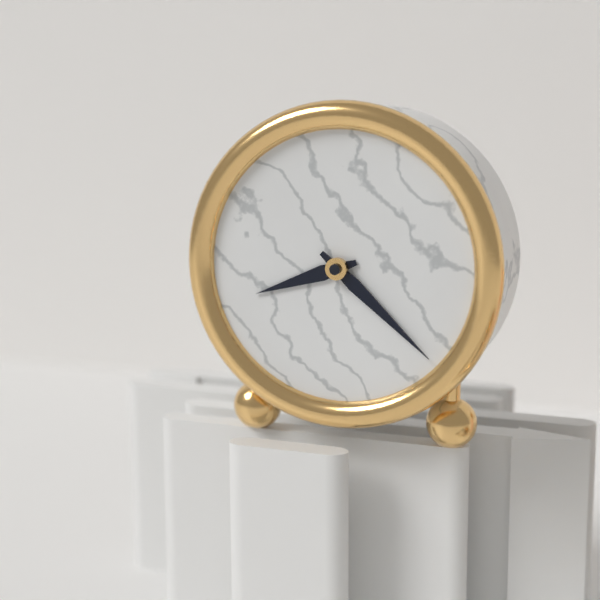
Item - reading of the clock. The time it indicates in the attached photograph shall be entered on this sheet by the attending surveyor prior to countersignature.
8:22
